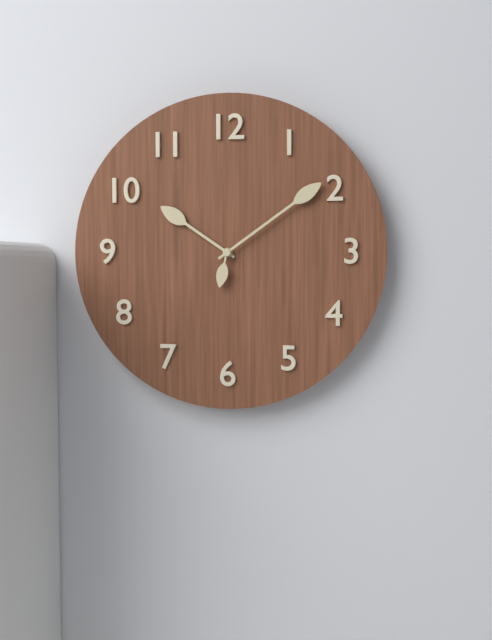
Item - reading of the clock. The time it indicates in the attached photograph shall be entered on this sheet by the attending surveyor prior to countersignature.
10:09
